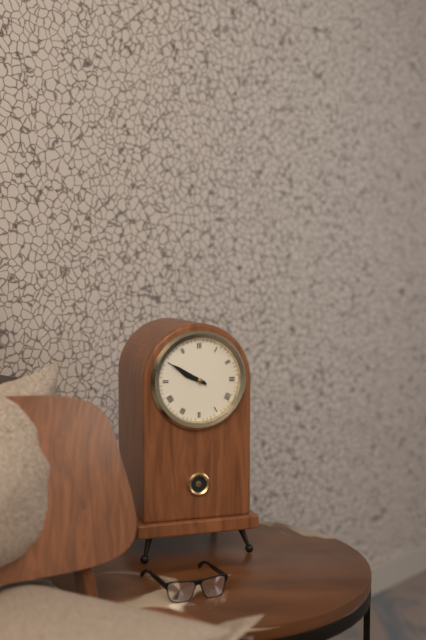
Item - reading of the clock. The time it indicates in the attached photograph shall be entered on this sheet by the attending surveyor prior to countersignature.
9:50
